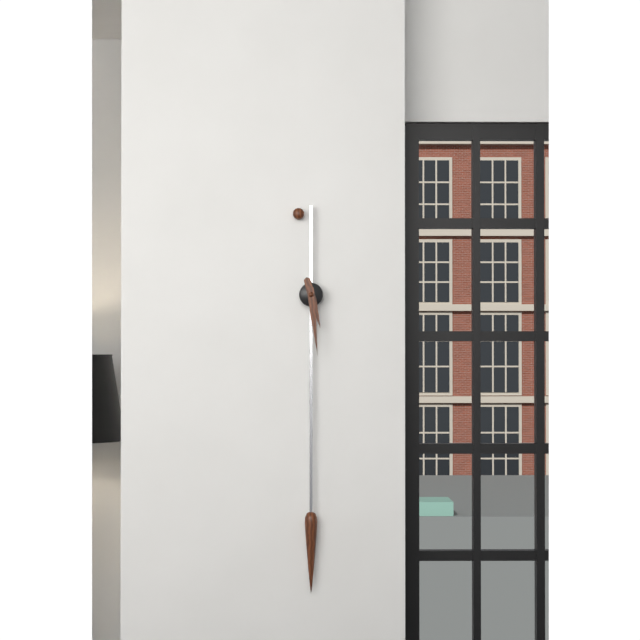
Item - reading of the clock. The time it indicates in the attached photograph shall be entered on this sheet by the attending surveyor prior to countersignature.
5:29
